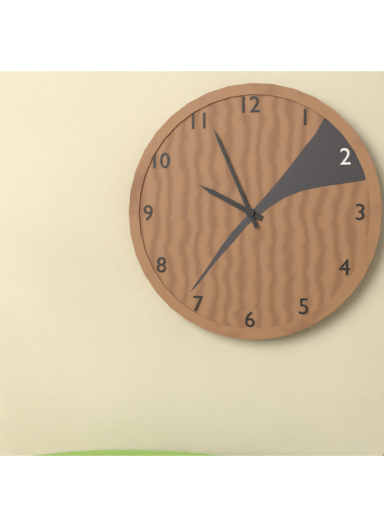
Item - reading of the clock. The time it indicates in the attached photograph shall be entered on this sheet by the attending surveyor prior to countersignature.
9:56
